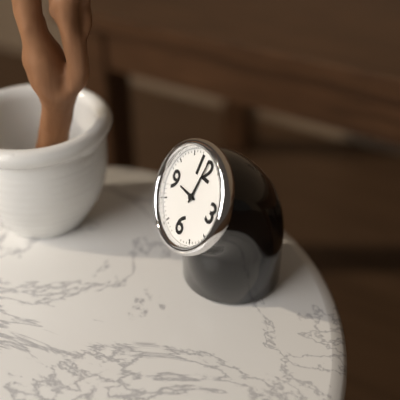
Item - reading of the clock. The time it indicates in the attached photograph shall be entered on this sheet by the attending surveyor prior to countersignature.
9:01
